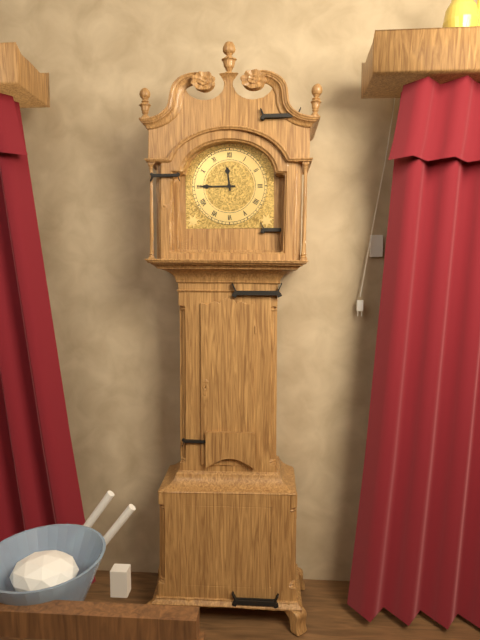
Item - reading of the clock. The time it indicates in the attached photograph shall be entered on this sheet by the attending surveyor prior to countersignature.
11:45
